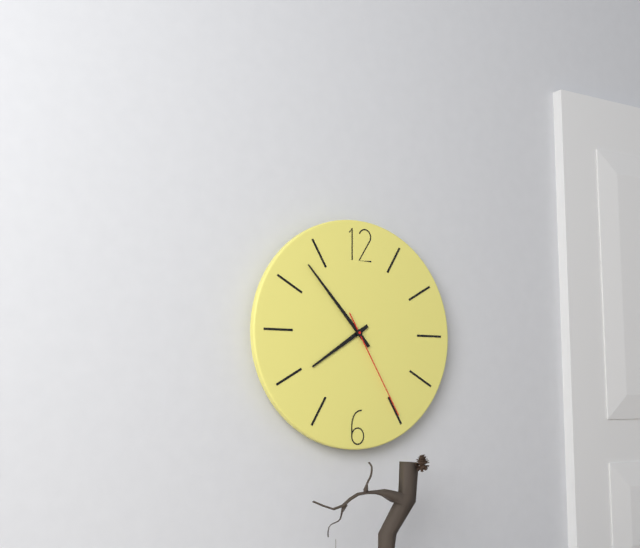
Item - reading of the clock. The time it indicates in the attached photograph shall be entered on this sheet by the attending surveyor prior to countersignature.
7:53:25
